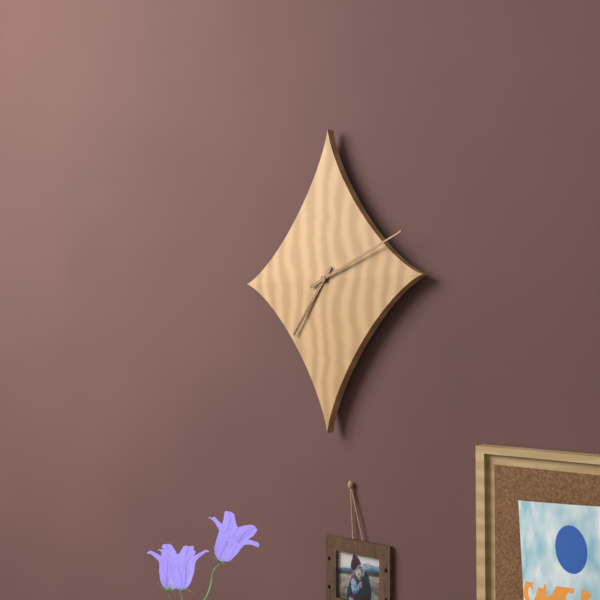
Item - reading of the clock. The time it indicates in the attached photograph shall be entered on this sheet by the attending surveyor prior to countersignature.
7:11
